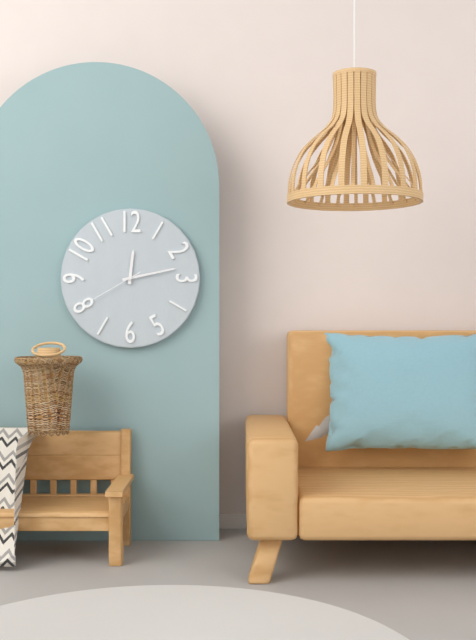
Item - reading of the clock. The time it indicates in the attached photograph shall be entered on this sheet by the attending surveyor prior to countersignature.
12:13:40
